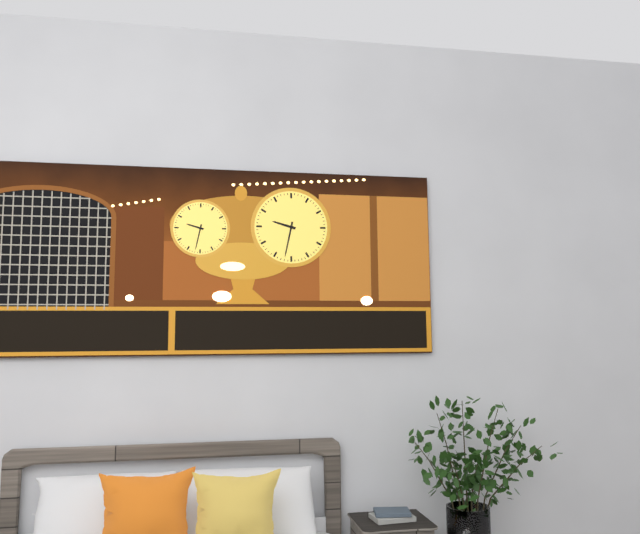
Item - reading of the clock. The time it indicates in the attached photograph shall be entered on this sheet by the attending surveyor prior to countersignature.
9:32
